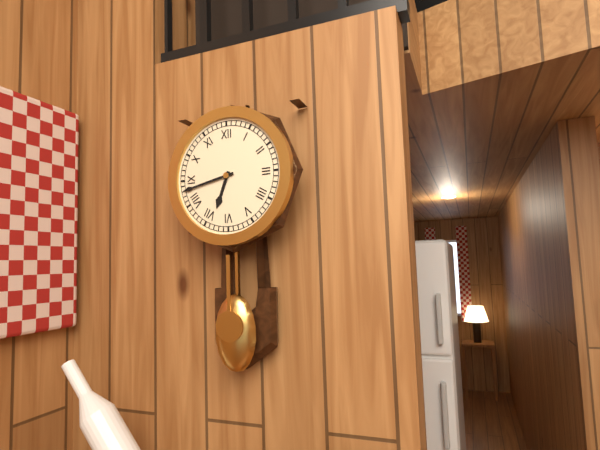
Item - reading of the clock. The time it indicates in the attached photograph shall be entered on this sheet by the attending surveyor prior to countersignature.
6:43
